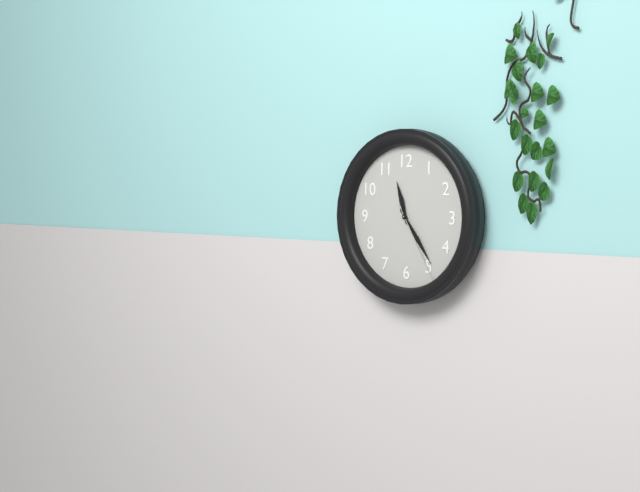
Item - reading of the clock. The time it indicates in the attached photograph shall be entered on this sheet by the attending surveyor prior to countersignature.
11:24:25
